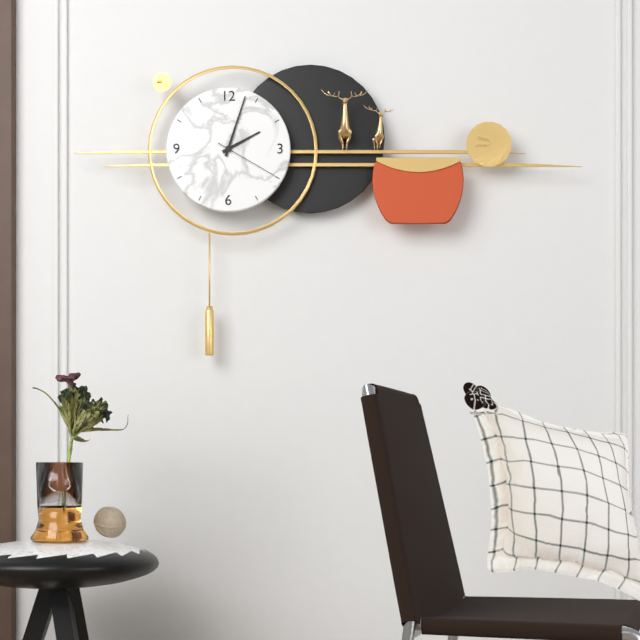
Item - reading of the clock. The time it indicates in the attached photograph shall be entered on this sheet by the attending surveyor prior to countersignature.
2:03:20
